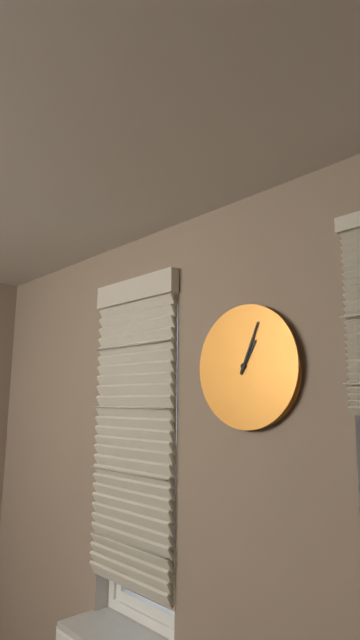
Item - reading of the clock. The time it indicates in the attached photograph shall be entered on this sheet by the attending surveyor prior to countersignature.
1:04
